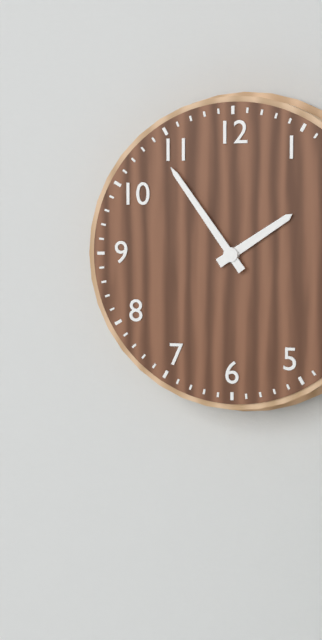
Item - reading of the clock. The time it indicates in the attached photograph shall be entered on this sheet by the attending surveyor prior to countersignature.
1:54
